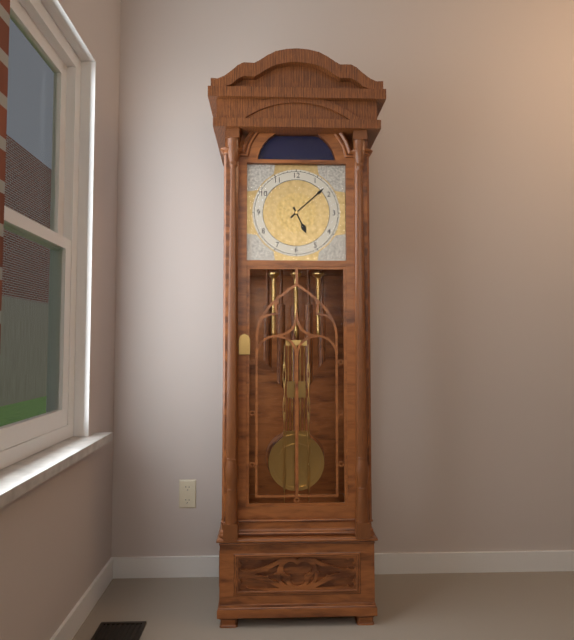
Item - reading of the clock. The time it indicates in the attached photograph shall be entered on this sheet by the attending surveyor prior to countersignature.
5:08
